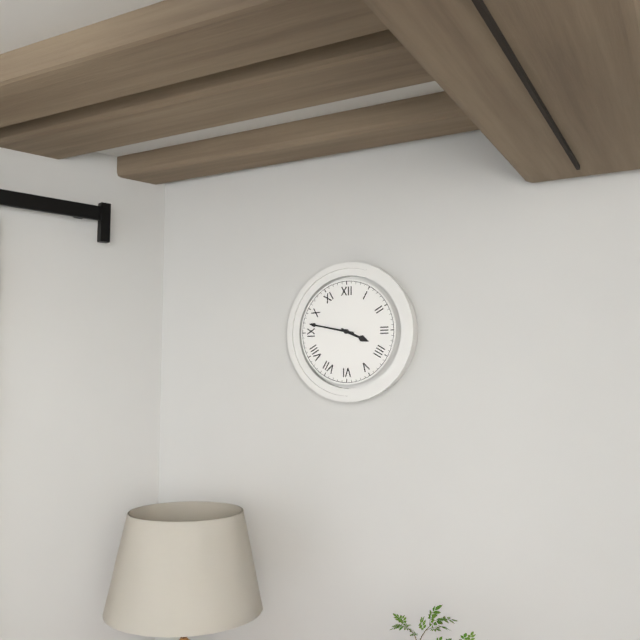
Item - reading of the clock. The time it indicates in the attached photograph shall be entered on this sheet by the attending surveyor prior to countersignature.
3:47
